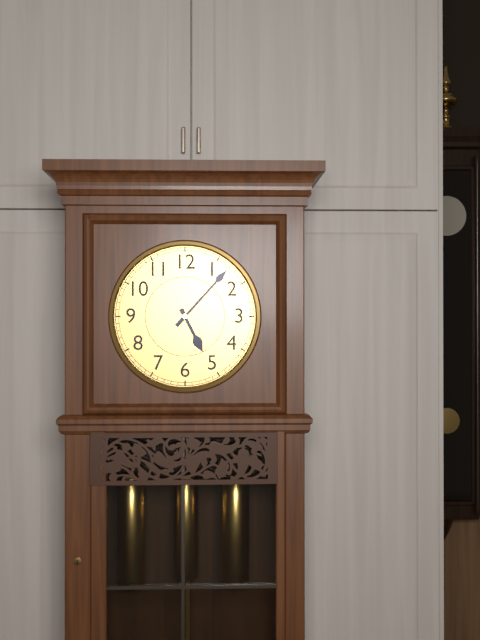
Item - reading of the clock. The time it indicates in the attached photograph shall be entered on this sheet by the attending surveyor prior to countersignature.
5:07
